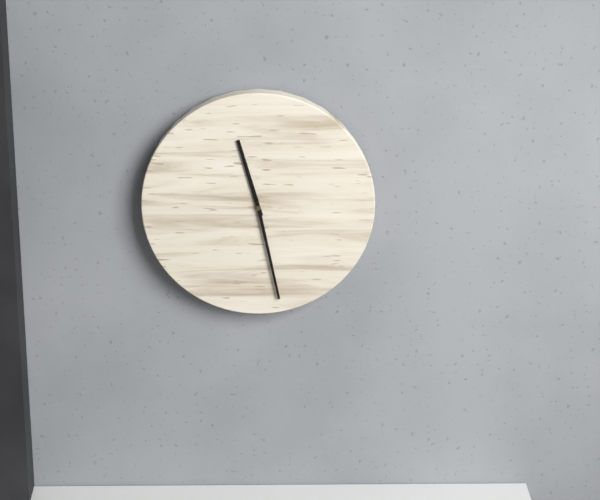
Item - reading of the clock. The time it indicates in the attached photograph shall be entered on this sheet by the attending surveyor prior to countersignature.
11:28
